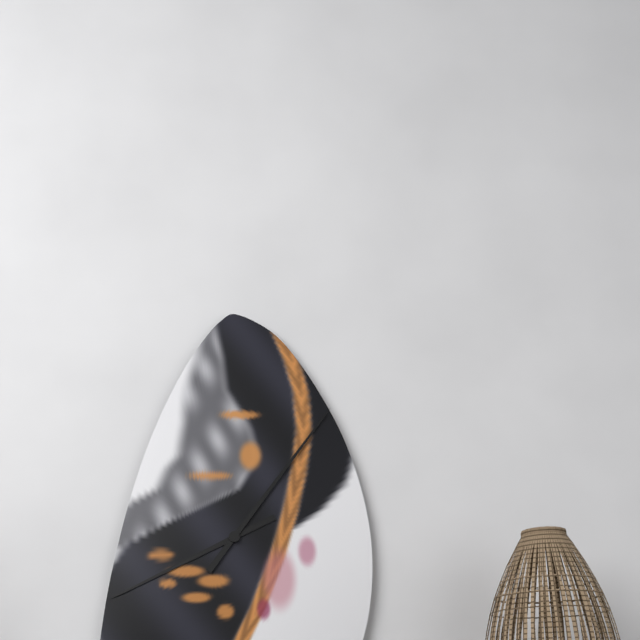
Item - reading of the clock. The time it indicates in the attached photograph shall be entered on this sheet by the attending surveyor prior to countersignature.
8:06
